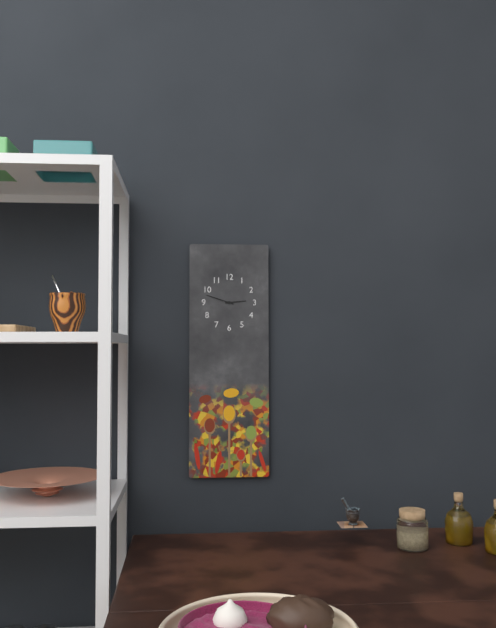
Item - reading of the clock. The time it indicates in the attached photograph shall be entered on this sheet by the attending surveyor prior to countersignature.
2:48
